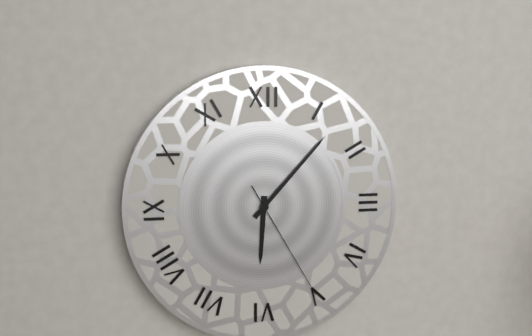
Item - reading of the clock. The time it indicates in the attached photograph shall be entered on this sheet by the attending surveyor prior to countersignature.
6:07:25
